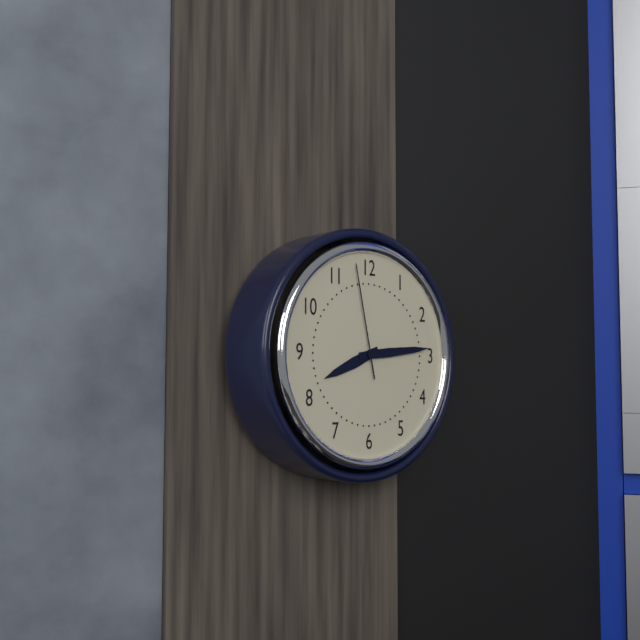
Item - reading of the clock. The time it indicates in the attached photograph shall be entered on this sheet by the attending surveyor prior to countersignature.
8:14:58
